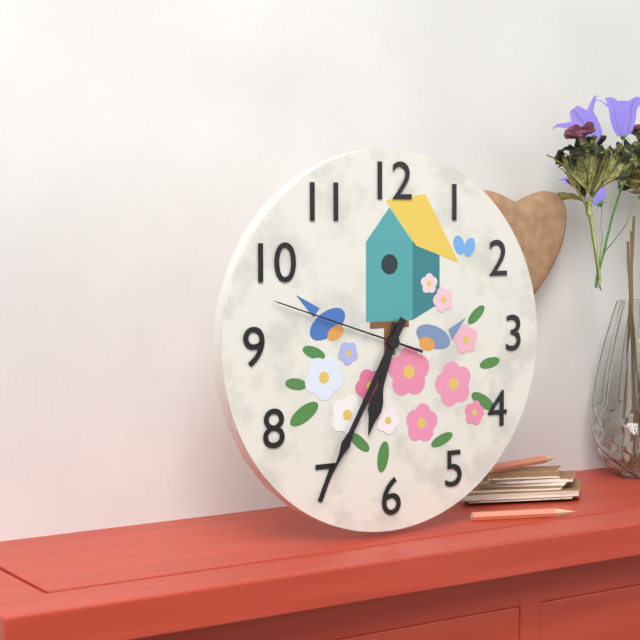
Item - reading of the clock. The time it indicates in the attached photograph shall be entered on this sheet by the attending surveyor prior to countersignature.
6:35:48
